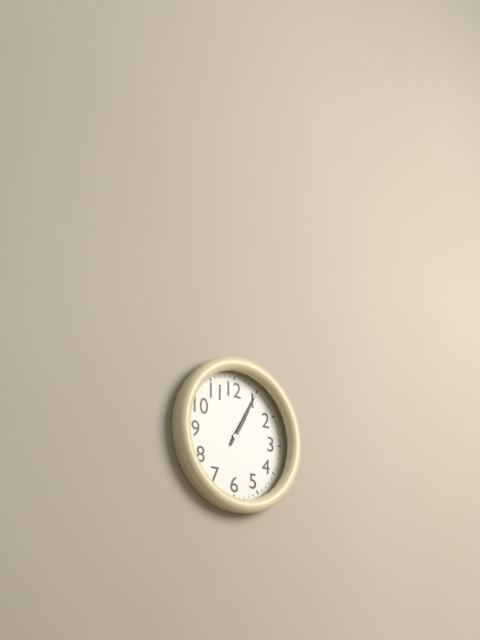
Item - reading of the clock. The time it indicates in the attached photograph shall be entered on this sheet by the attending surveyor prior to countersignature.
1:05
